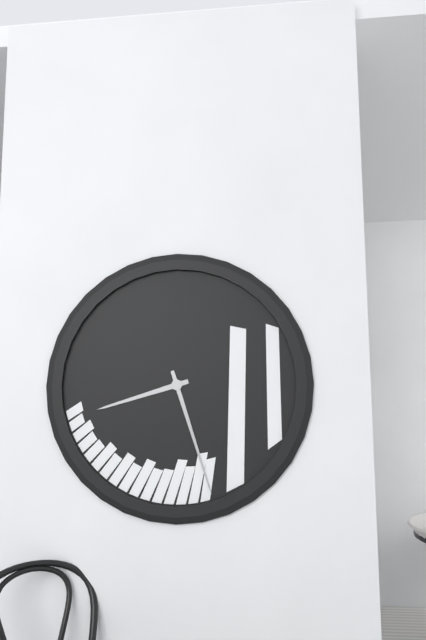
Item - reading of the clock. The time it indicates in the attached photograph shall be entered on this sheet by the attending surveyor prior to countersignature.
8:27
